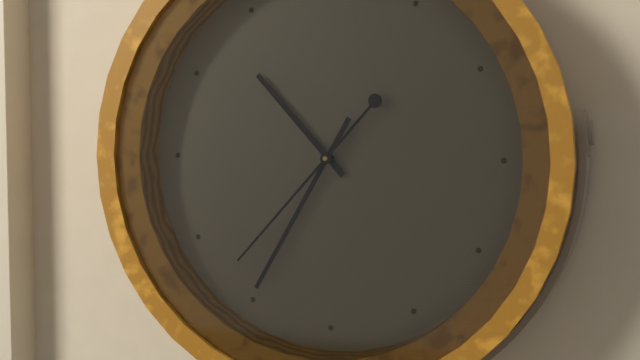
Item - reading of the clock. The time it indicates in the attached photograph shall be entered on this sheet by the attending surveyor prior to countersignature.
10:35:37
